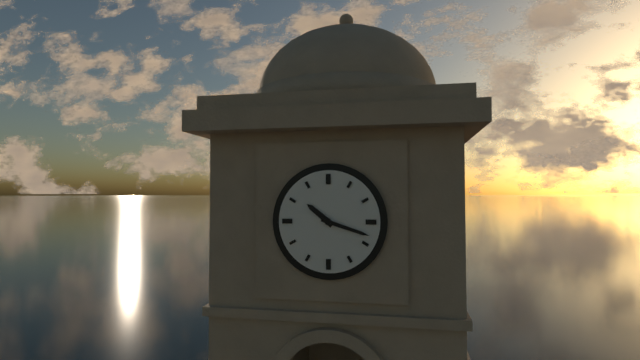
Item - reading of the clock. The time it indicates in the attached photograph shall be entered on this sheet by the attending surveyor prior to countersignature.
10:18
